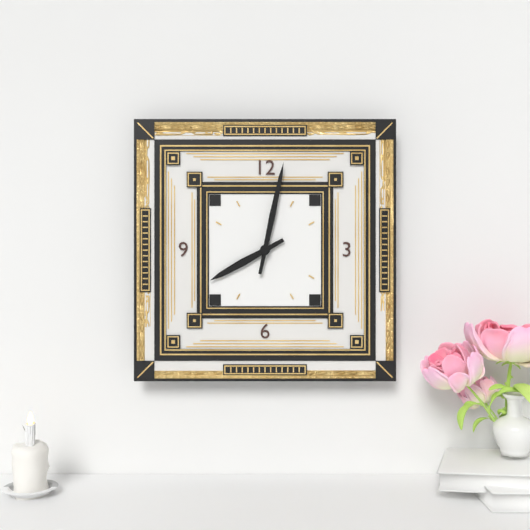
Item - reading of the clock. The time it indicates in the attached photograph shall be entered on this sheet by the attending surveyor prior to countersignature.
8:02
